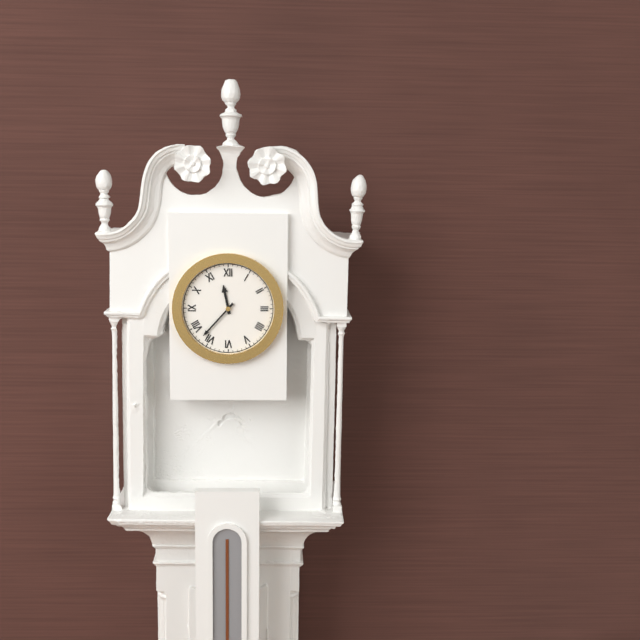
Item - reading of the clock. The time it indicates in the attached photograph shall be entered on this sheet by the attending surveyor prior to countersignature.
11:37
